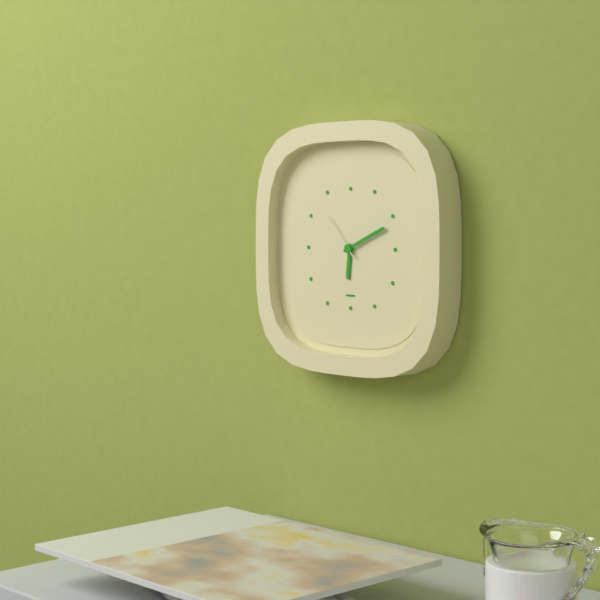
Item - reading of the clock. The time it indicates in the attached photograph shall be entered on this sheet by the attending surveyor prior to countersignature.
6:11:53
